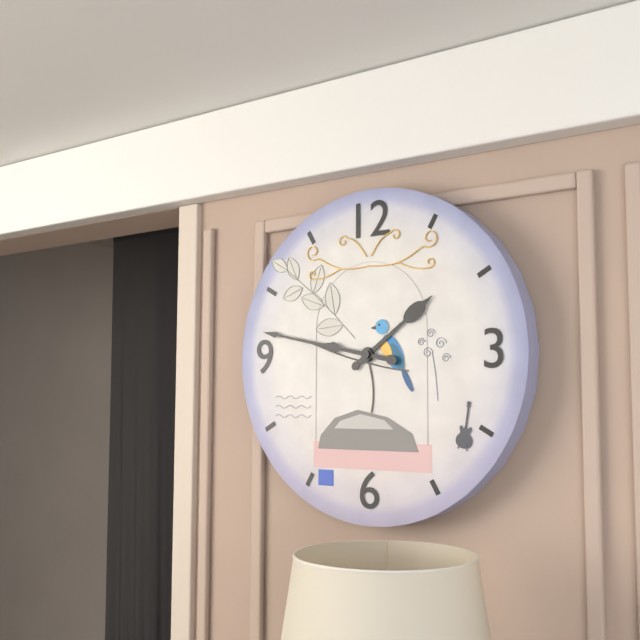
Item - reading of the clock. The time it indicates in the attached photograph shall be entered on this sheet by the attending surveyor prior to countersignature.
1:47
